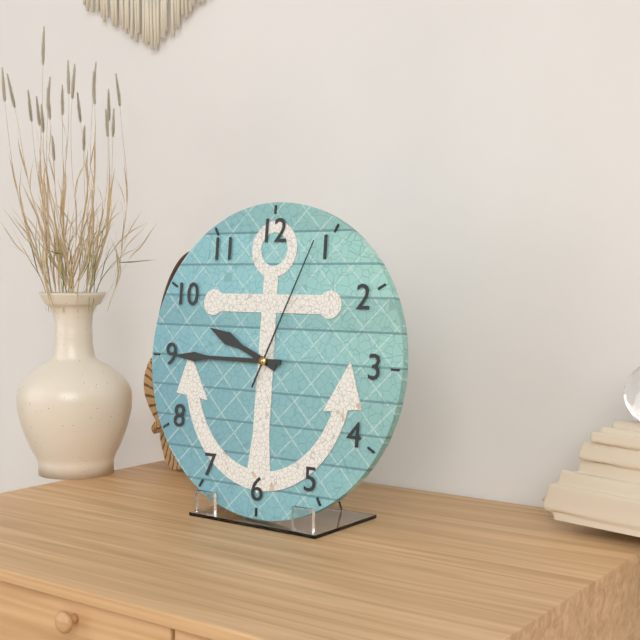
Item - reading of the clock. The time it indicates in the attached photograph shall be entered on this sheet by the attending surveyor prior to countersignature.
9:45:04
